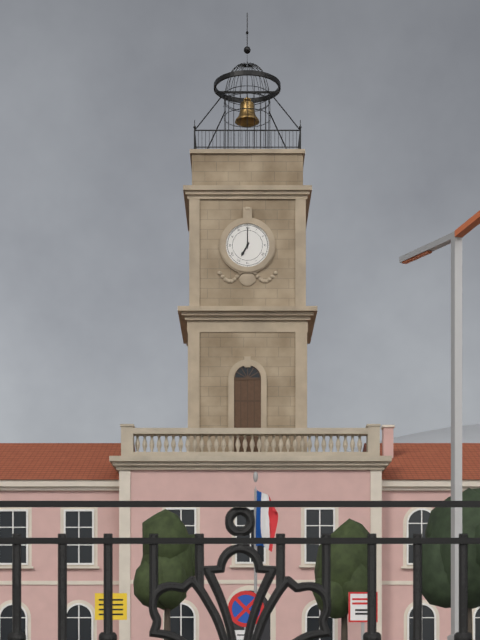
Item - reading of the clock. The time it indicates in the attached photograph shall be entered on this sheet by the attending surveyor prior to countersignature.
7:00
